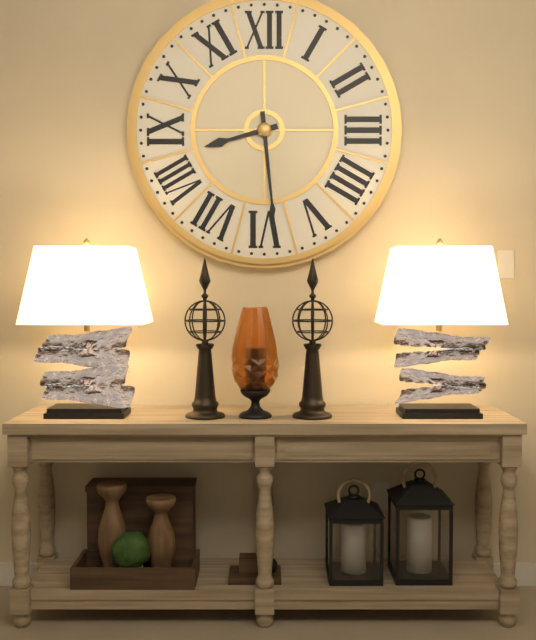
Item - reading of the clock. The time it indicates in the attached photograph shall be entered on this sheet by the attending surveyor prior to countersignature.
8:29
